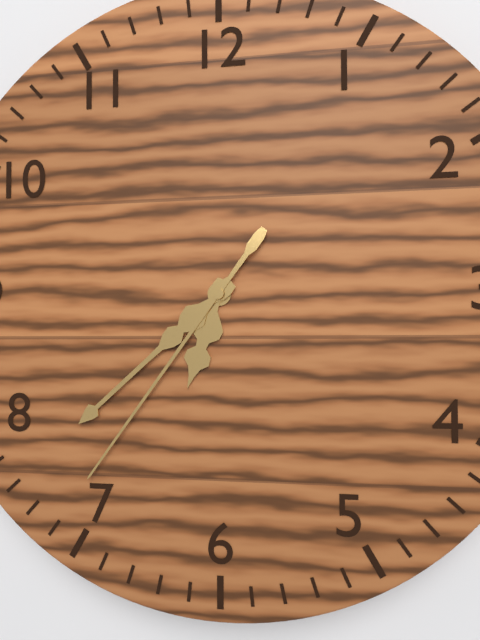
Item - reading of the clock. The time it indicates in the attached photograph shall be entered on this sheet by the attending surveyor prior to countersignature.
6:38:36
